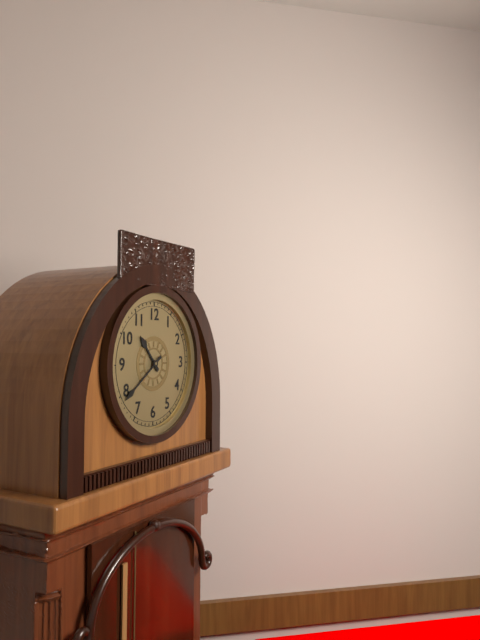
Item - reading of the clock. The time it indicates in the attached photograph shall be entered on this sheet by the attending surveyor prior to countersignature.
10:39
